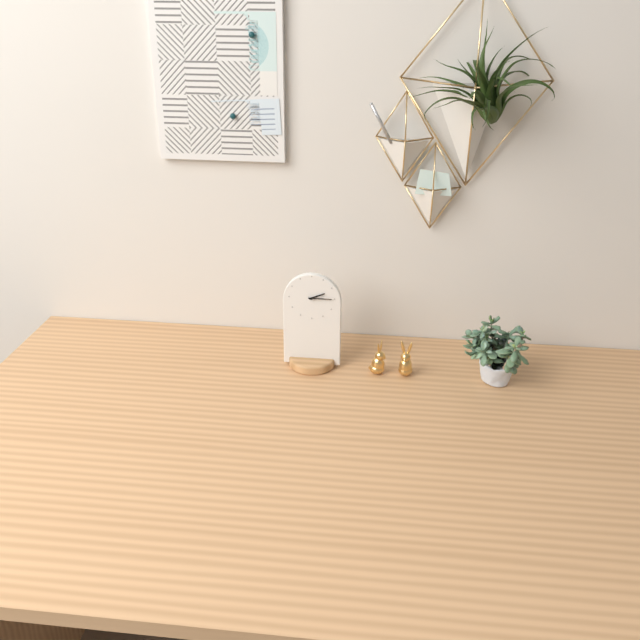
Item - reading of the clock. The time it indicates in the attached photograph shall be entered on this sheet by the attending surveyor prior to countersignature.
2:15
